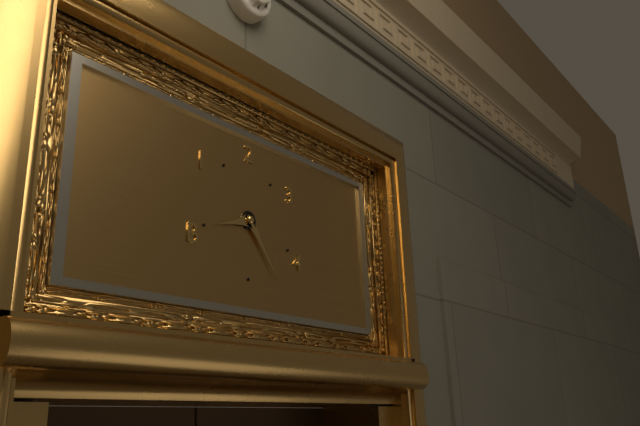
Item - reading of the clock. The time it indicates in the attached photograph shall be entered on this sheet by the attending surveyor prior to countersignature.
8:24
